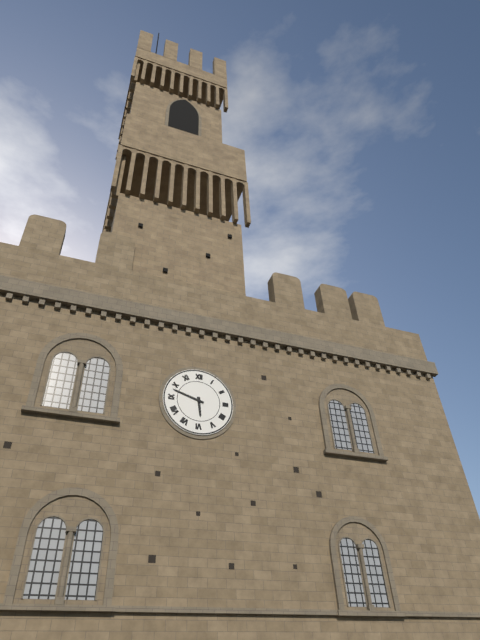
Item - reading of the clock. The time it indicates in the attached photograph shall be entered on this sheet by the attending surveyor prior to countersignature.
5:48
